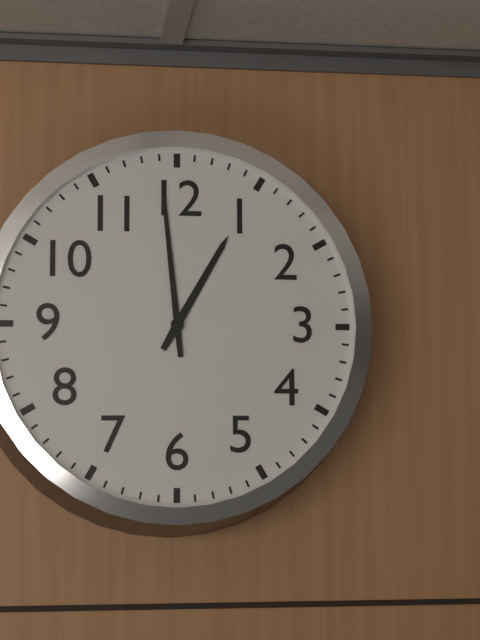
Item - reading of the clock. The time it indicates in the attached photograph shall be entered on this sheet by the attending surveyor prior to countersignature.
12:59
